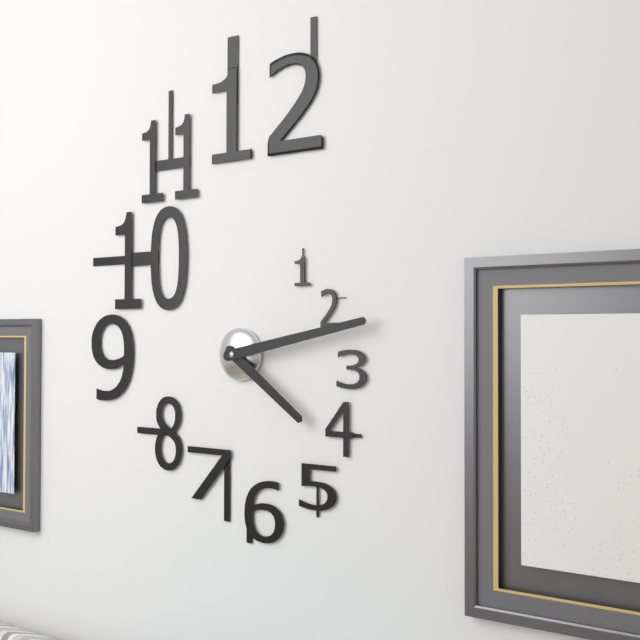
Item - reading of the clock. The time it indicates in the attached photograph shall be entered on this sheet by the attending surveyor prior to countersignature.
4:13
